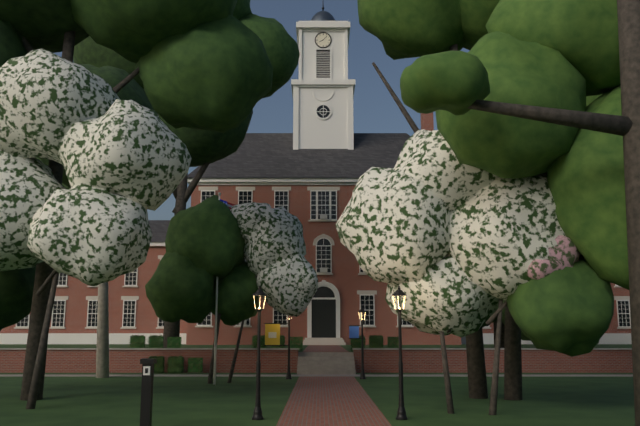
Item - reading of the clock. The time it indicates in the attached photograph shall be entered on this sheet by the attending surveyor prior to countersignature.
8:07
